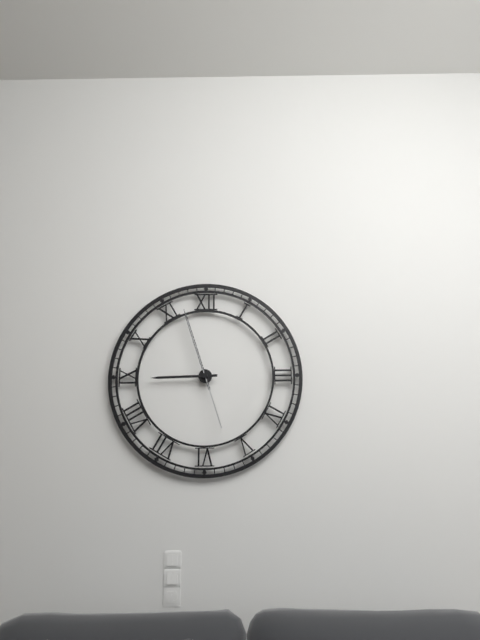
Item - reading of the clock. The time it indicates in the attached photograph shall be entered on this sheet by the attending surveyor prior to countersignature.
8:57:57
